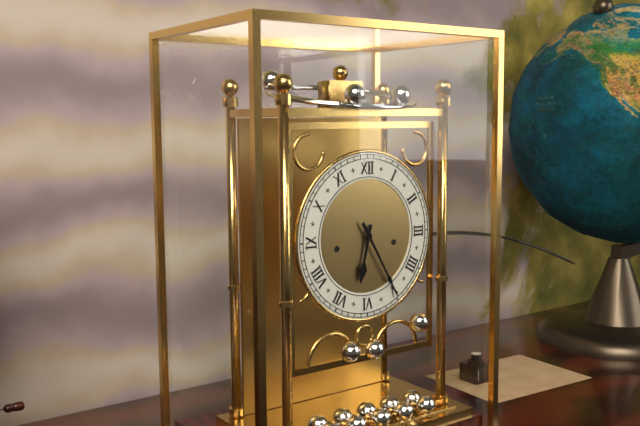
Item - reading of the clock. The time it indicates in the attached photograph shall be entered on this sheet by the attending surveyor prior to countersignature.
6:25
